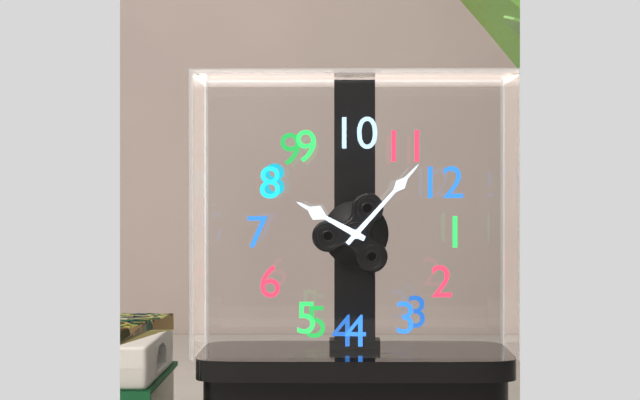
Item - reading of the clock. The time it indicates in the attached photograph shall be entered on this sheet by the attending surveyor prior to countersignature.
7:57
